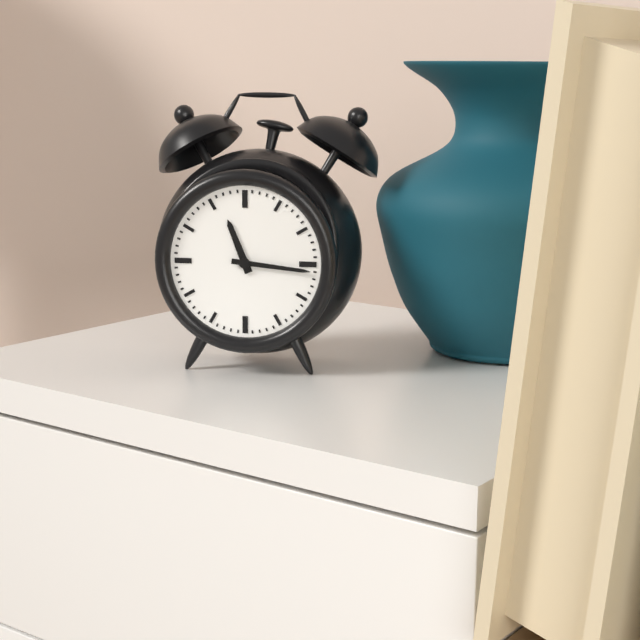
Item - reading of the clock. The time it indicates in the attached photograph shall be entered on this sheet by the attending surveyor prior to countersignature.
11:16
